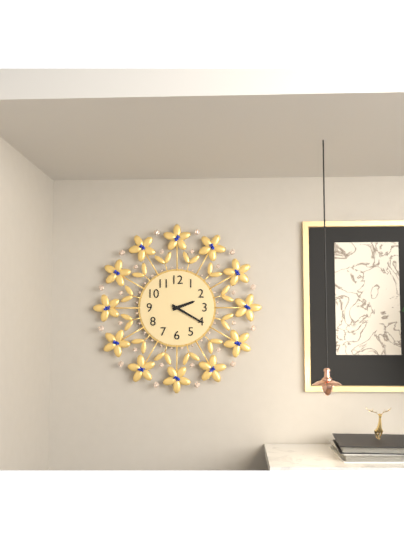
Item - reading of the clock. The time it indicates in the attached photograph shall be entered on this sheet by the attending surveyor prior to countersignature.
2:20
